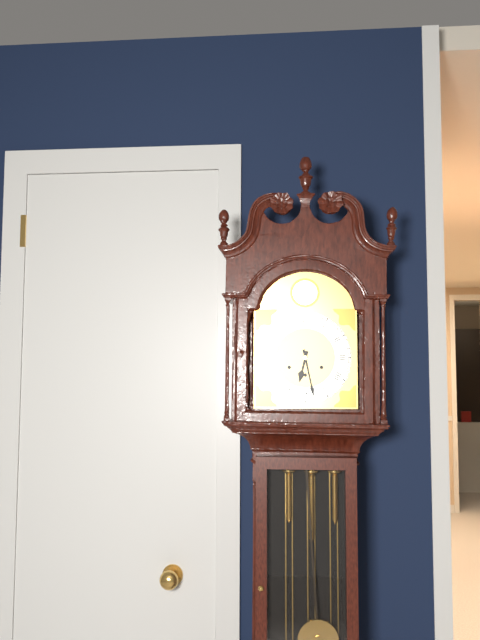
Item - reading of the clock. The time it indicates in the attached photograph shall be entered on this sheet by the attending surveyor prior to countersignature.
6:28
